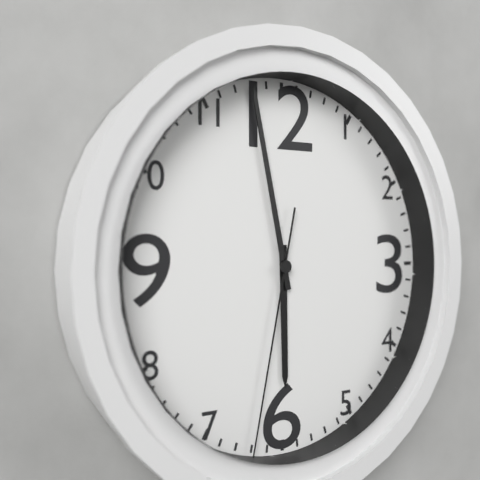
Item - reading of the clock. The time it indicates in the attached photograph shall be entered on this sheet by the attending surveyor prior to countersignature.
5:58:32
